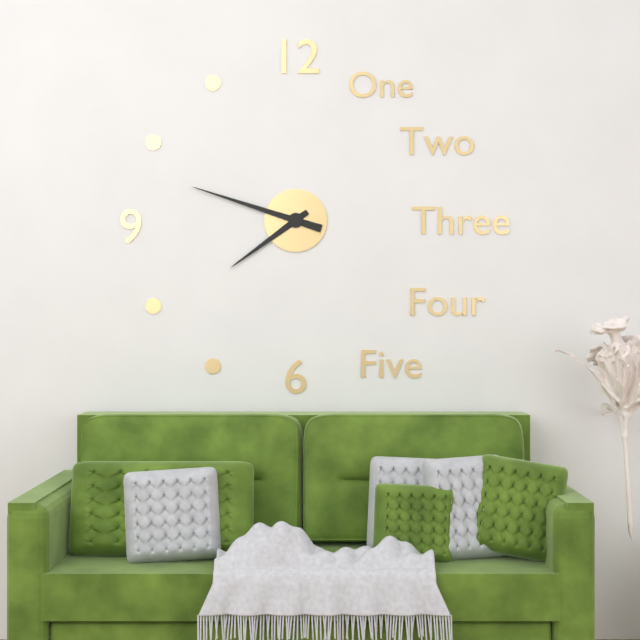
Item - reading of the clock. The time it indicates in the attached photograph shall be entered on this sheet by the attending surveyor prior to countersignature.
7:48
